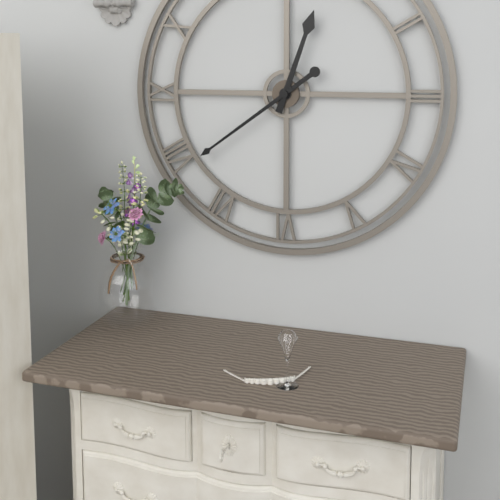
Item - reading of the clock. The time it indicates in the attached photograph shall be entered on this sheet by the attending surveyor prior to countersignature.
12:39
